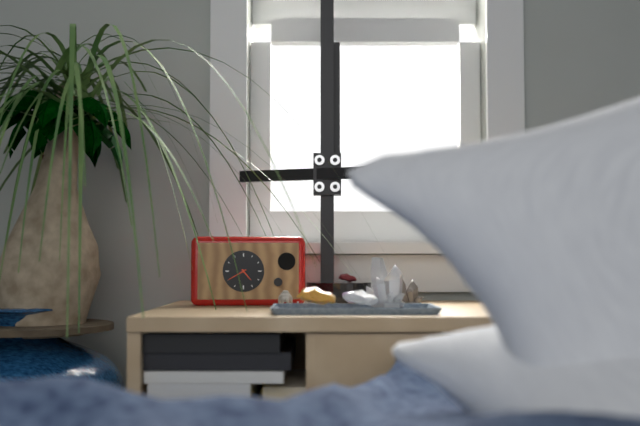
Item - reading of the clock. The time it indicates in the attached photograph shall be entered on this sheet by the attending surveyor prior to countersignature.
4:40
